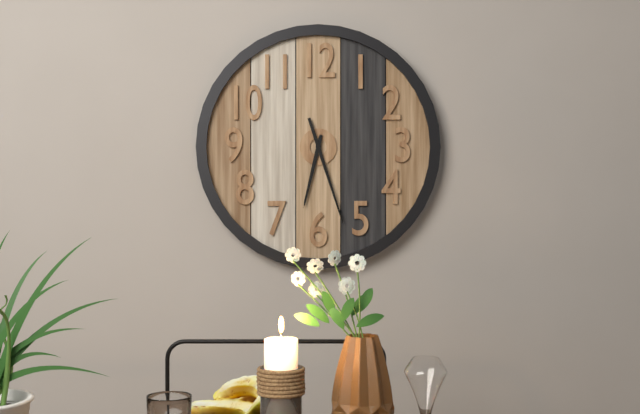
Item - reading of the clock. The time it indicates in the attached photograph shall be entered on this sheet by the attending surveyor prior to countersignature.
6:27
